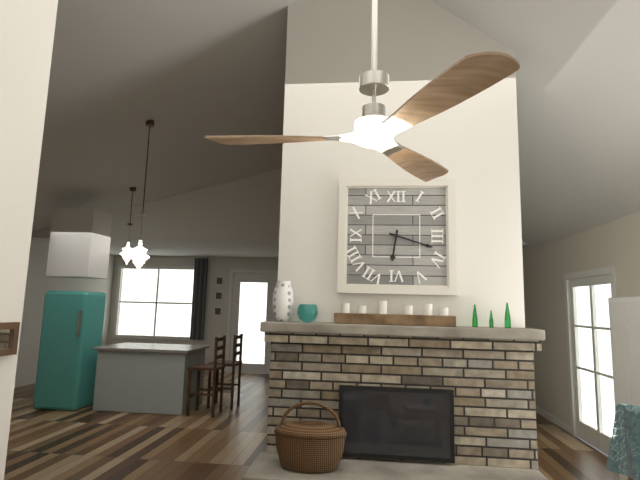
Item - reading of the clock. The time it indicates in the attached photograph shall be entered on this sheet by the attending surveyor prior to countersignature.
6:18
